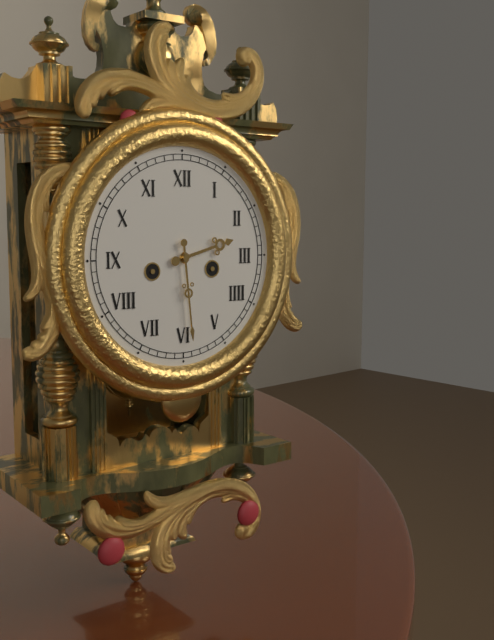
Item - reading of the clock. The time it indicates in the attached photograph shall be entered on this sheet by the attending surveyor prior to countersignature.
2:29
